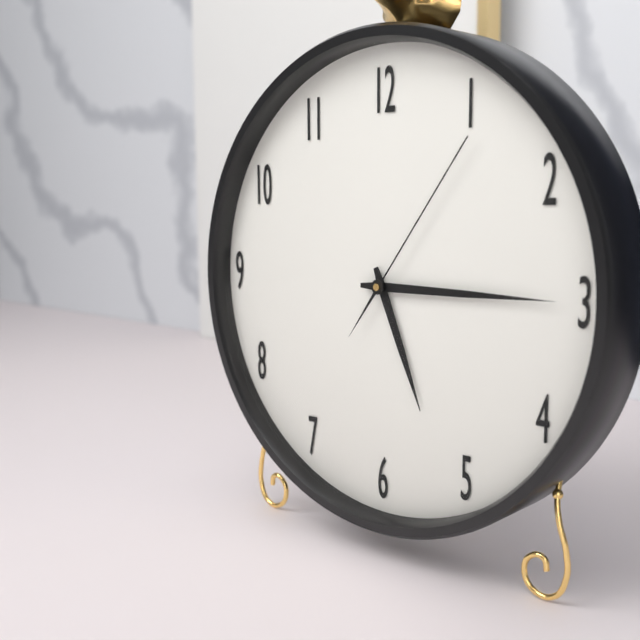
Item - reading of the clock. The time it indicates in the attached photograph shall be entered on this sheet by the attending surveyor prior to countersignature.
5:15:06
